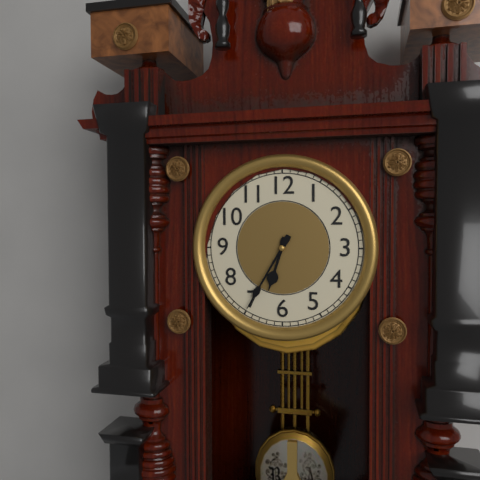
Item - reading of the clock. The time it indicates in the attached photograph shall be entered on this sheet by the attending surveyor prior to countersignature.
6:35
